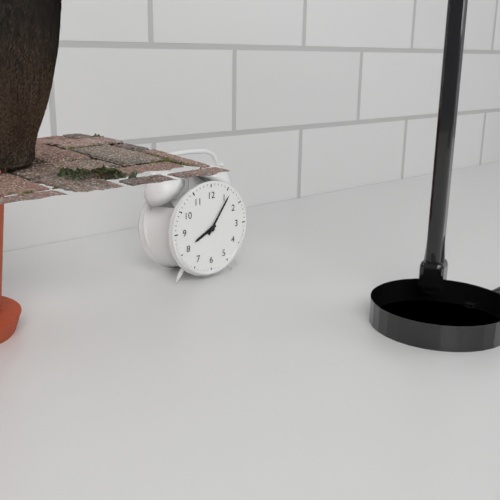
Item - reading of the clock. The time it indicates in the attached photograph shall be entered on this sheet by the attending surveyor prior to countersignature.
8:06
